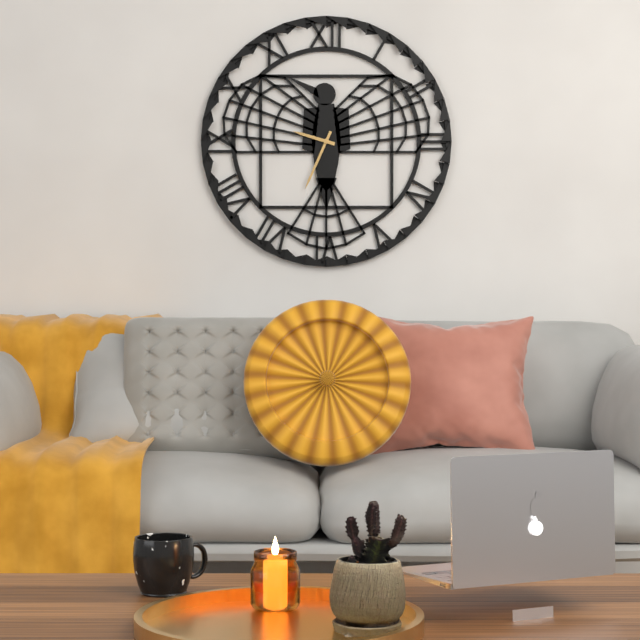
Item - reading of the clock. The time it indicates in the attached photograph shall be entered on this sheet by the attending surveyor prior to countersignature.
9:34
